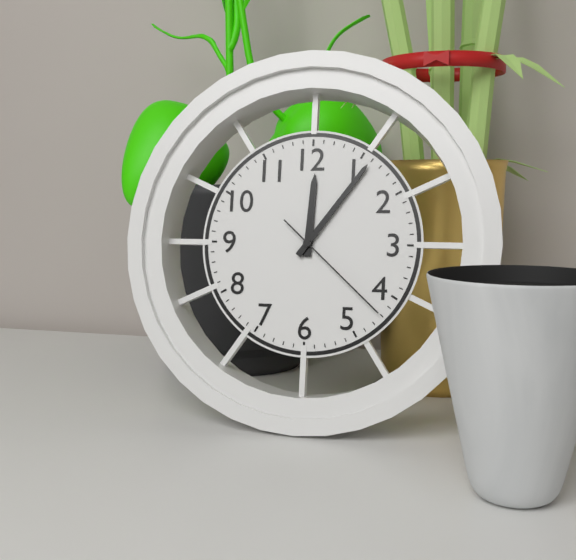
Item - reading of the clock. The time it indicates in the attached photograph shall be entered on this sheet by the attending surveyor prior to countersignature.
12:06:22
